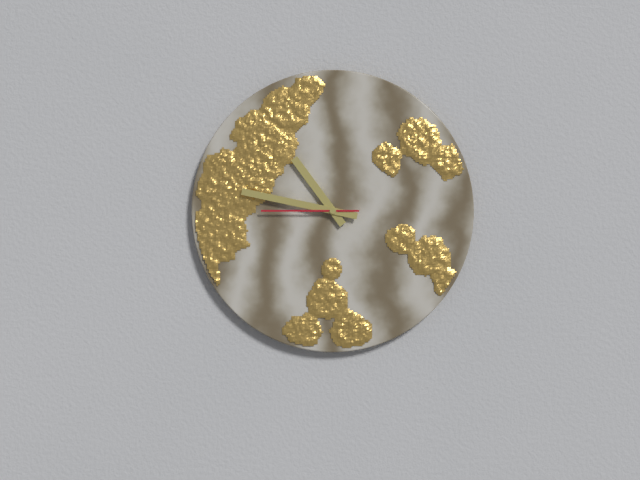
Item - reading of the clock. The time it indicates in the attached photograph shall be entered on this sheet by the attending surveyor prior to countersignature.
10:47:45
